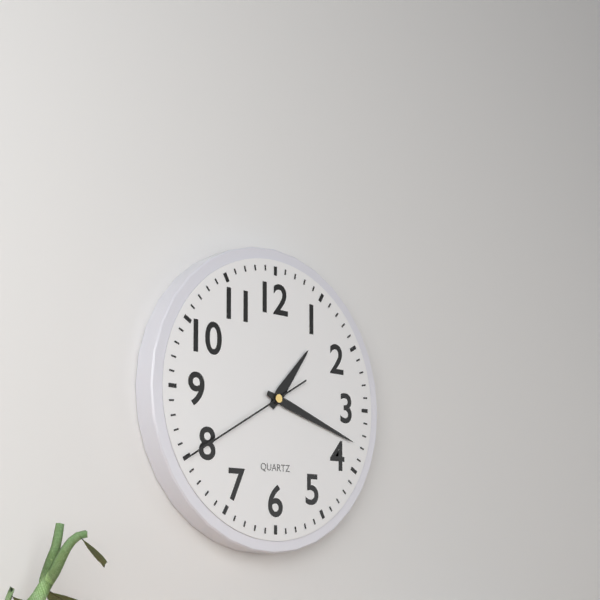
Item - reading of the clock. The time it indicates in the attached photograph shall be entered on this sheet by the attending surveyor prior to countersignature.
1:18:40
